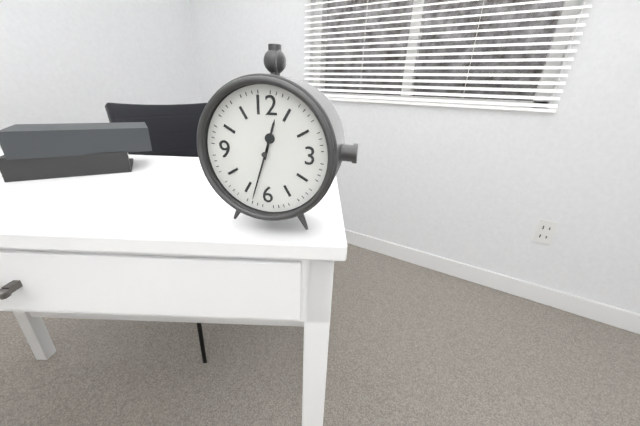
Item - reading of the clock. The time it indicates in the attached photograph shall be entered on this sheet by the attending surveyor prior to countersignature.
12:33
